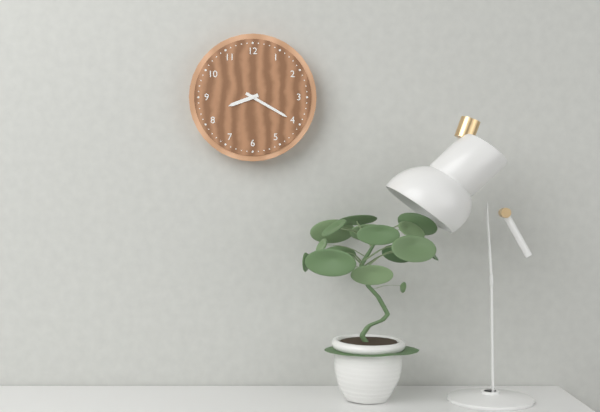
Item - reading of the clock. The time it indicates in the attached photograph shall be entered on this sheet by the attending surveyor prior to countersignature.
8:20
